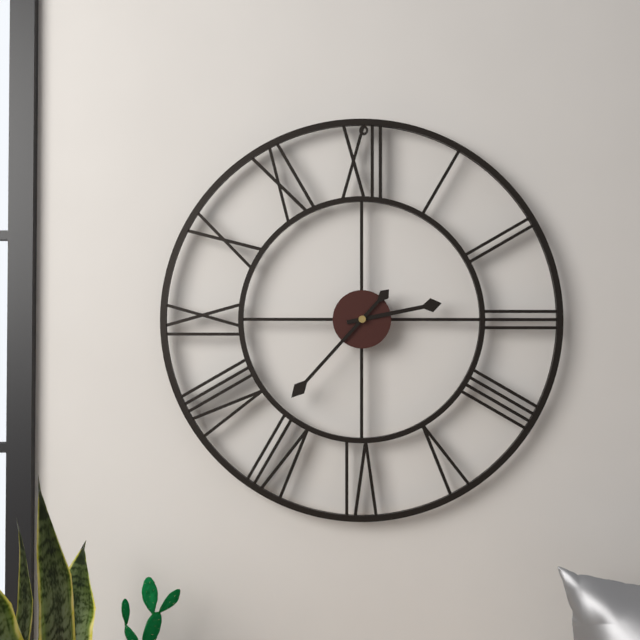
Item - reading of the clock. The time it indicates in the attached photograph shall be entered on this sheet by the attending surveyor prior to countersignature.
2:37
